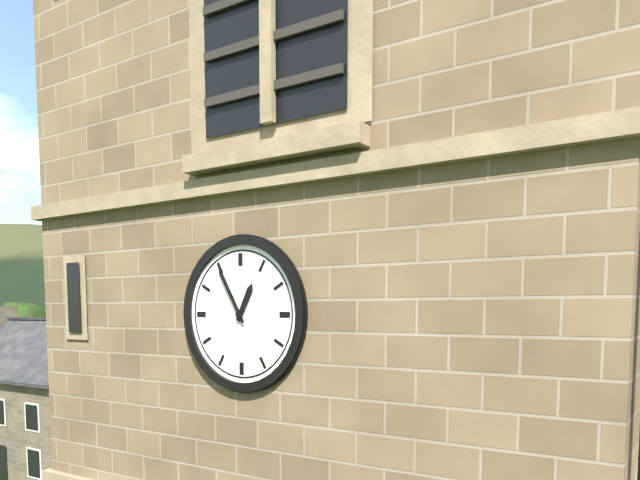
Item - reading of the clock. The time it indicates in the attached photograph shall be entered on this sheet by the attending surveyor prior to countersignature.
12:55
